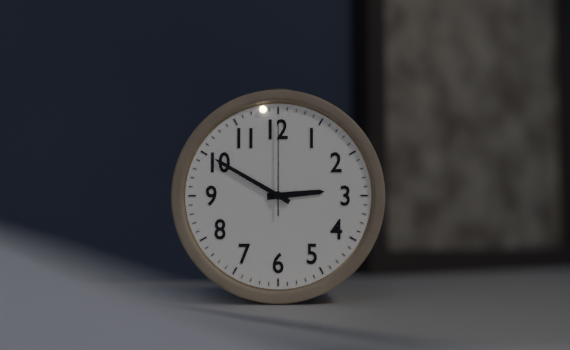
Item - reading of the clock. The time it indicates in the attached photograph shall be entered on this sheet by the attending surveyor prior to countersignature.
2:50:00
